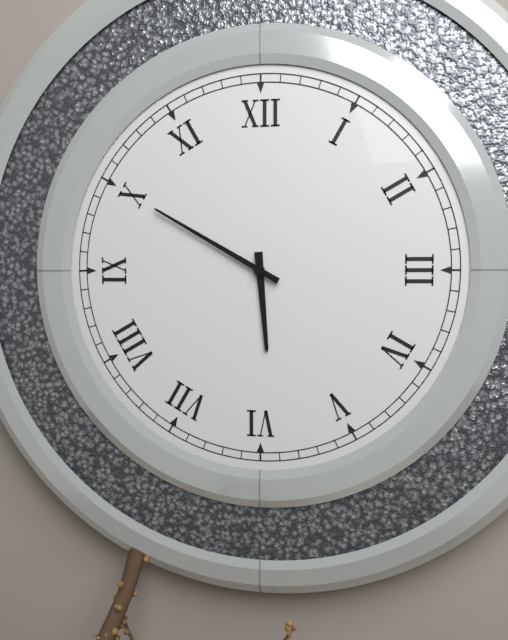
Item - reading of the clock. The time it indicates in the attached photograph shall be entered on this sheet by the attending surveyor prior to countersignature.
5:50
